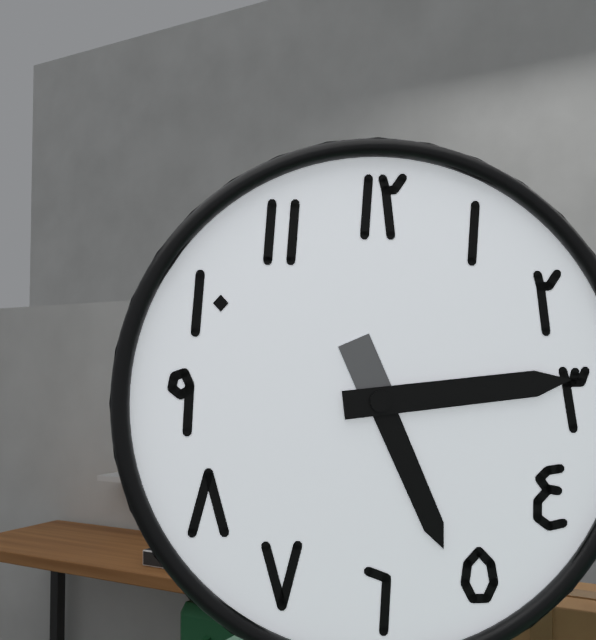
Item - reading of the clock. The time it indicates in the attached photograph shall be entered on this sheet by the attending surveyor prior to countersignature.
5:14
